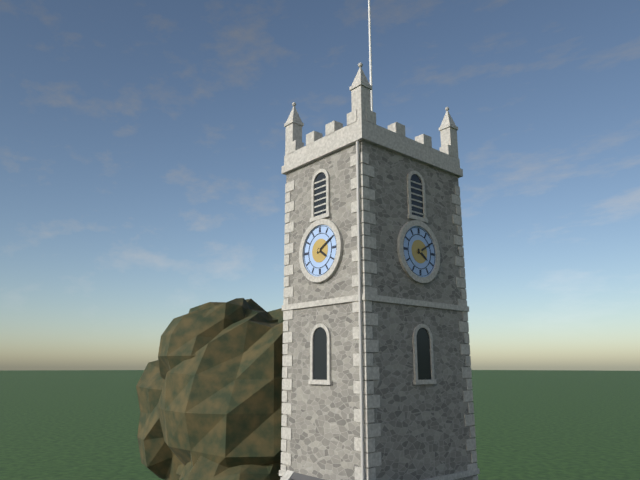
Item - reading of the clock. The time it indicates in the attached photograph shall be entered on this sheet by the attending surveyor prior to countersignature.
4:10
